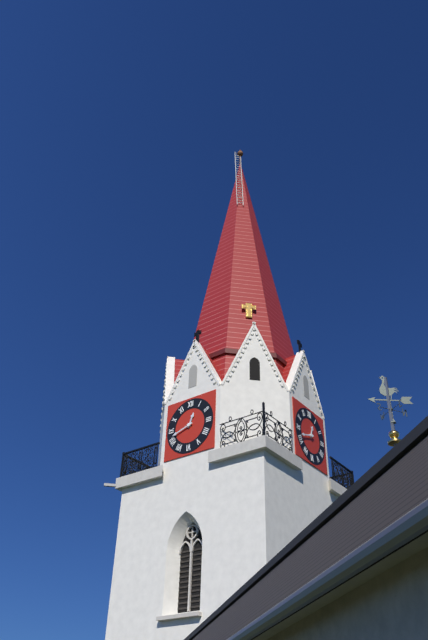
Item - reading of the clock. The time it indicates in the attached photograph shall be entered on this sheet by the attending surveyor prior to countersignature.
12:42
